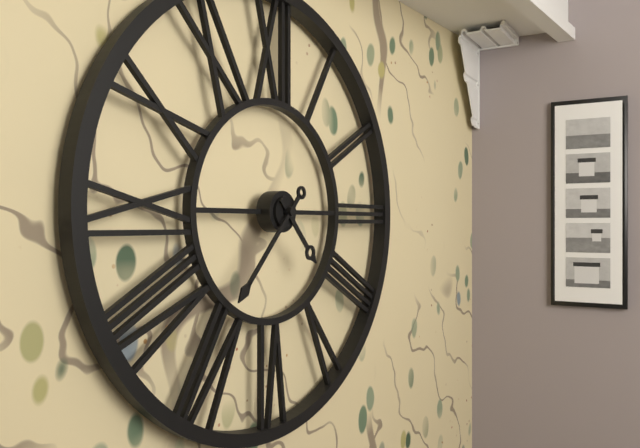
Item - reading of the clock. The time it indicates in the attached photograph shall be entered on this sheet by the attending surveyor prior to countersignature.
4:37
